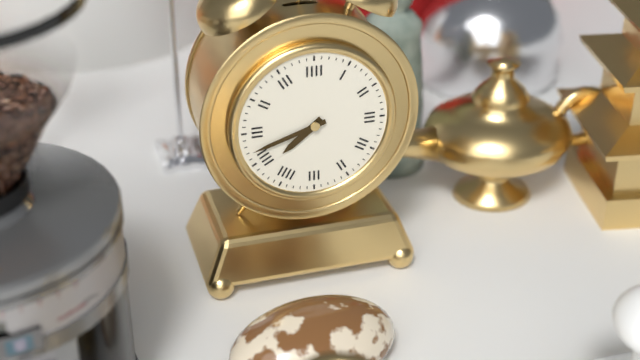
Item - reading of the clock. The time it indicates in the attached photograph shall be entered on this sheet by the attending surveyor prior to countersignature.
7:42
